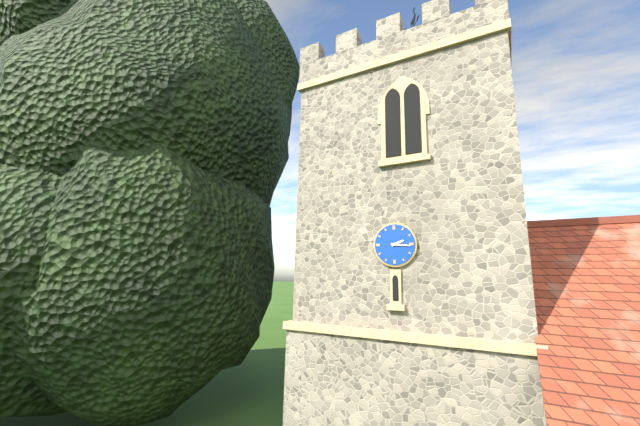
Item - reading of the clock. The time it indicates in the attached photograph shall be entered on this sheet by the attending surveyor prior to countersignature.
2:16
